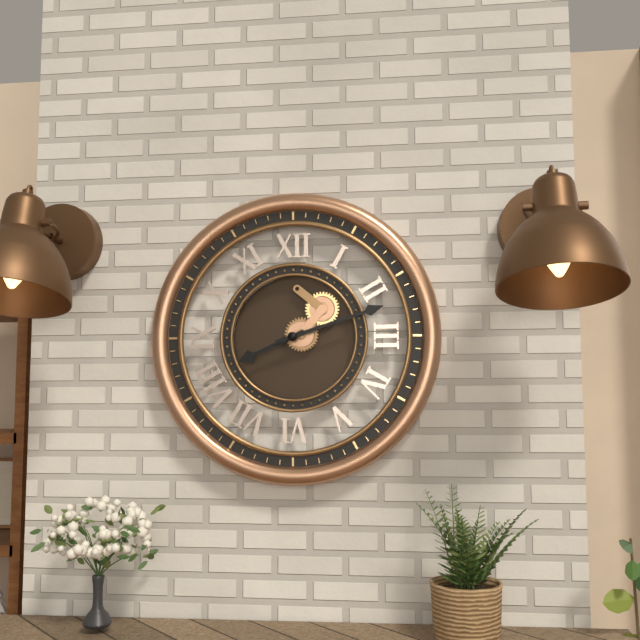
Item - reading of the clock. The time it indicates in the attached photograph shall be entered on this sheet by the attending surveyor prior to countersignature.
8:12
